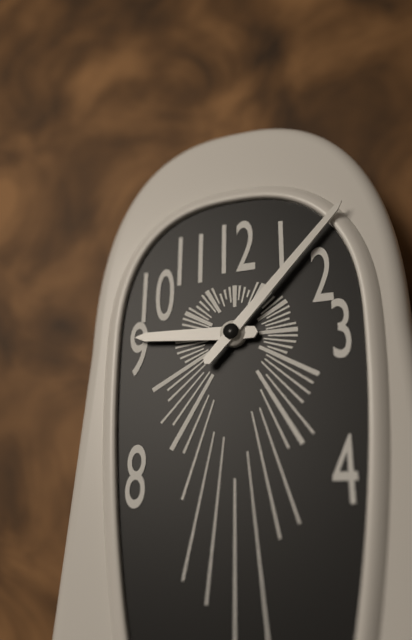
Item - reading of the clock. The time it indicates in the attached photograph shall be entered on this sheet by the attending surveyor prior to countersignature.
9:07
